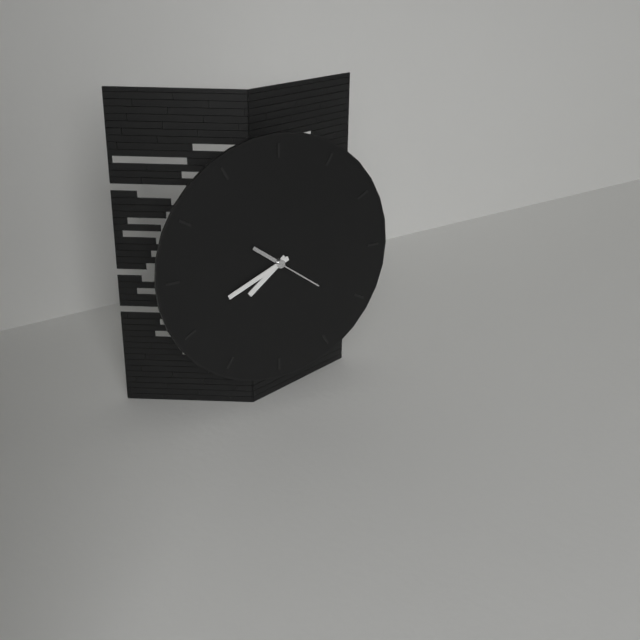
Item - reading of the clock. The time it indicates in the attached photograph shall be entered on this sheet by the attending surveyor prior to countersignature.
7:41:21
